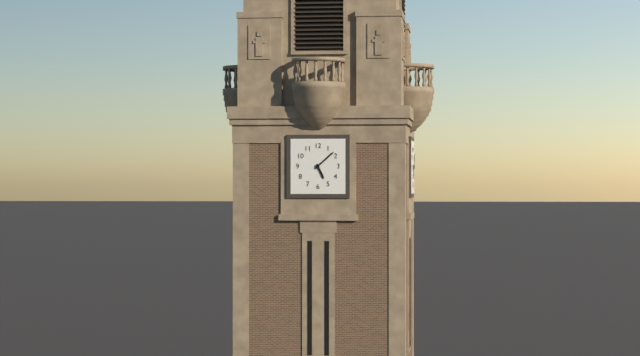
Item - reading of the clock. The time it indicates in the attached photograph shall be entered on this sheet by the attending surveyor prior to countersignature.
5:08
